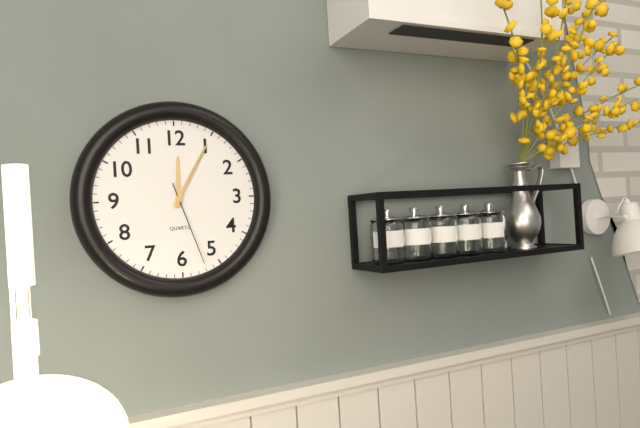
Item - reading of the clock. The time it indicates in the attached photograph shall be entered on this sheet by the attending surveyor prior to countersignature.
12:05:27
